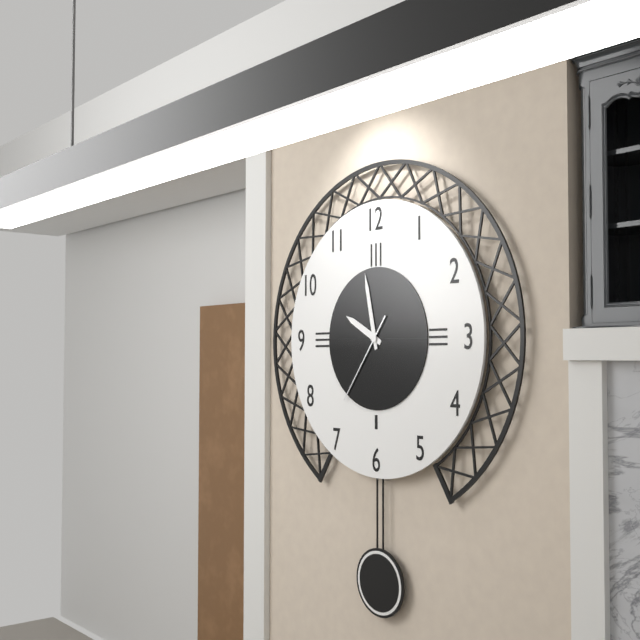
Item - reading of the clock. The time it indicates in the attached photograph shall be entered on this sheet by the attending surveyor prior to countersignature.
9:58:36
